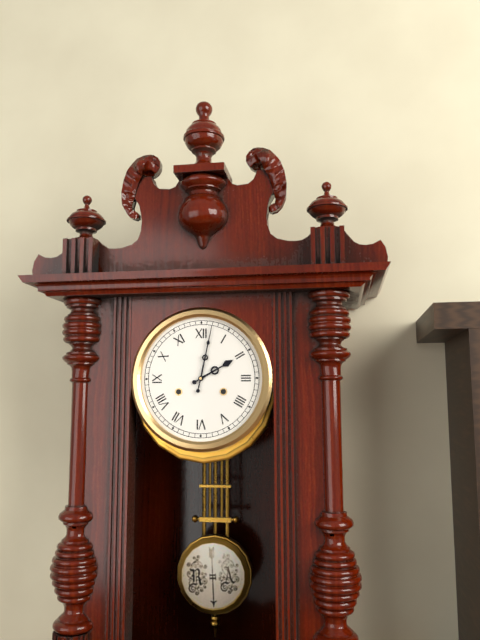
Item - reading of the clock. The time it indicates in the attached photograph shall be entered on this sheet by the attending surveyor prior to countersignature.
2:02
